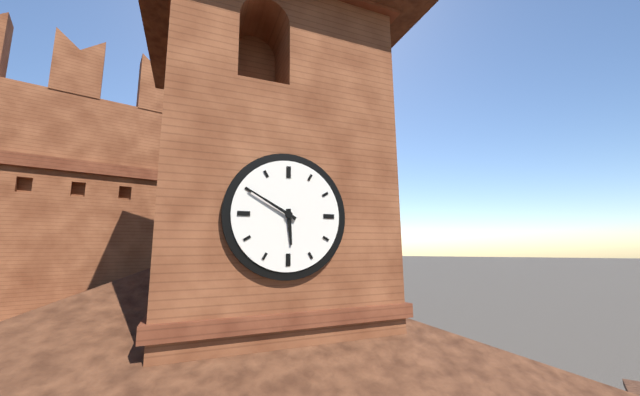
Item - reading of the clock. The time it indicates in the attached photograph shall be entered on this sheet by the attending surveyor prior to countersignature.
5:50
